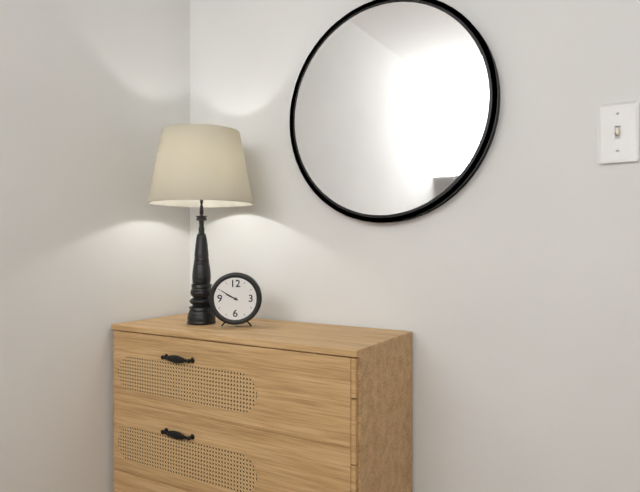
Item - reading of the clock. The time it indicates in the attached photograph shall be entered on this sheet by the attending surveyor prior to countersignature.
9:50
